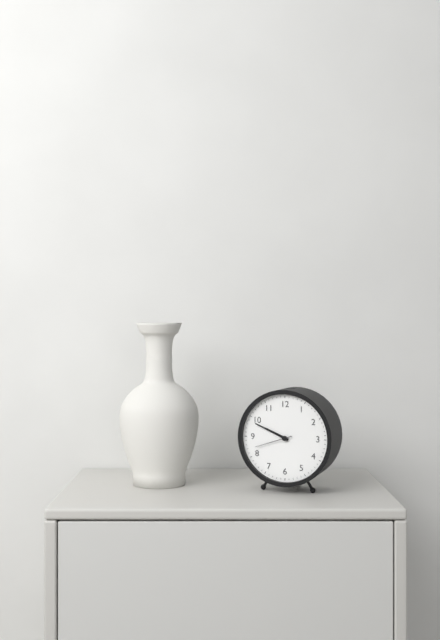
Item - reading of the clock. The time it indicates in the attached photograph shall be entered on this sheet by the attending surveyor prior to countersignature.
9:49
